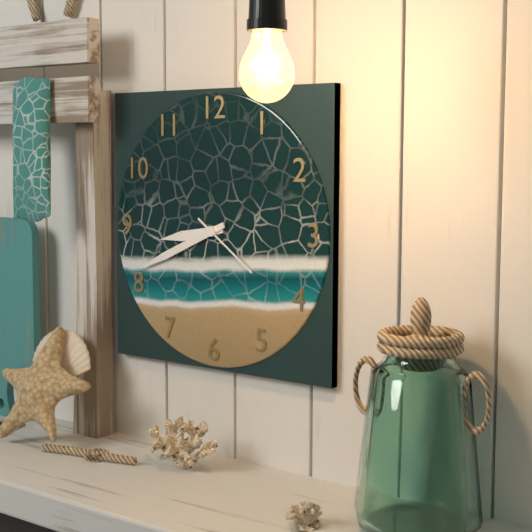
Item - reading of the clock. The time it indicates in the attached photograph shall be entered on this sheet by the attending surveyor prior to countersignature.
8:41:21
